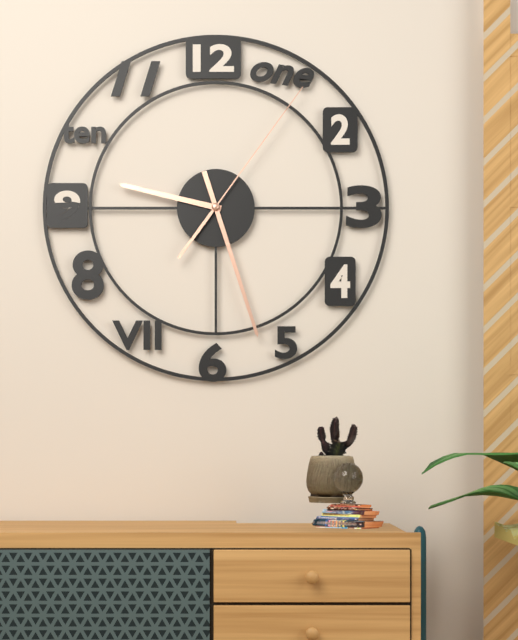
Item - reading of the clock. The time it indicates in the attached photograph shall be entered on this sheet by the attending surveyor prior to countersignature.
9:27:06
